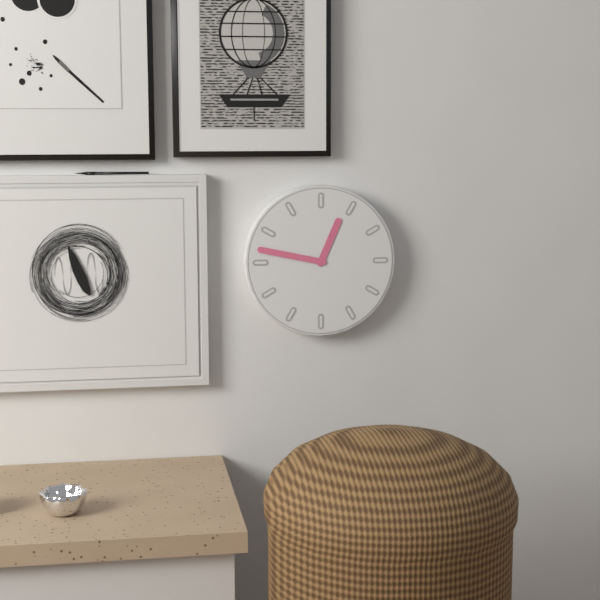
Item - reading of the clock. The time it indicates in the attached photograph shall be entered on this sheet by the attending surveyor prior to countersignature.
12:47
